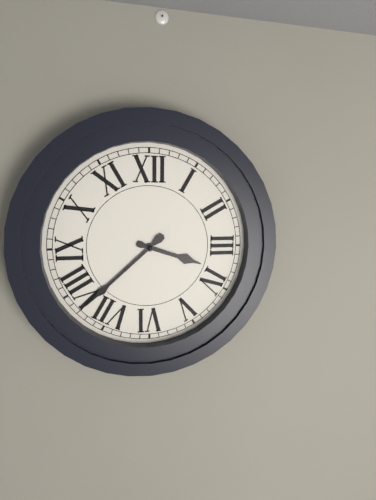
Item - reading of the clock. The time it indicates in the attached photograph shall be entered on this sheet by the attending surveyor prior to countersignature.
3:38
